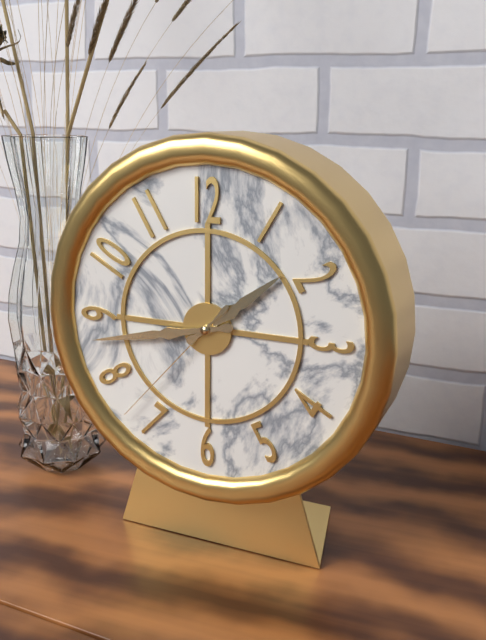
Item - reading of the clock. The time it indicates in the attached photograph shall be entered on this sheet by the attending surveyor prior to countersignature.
1:43:37
